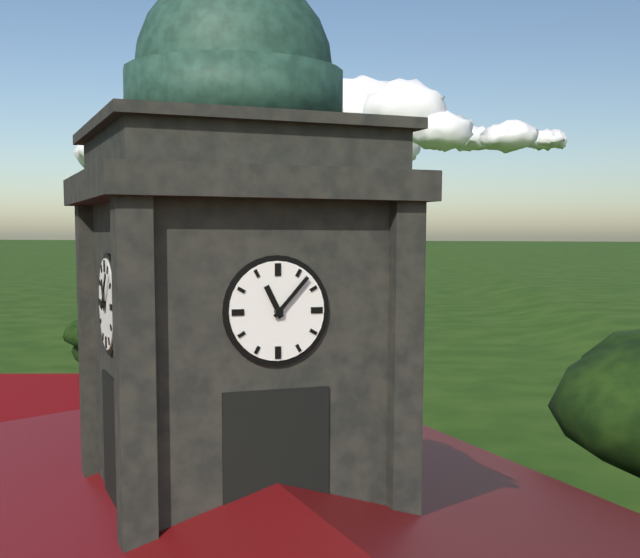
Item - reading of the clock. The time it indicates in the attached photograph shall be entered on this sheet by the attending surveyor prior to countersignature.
11:07
